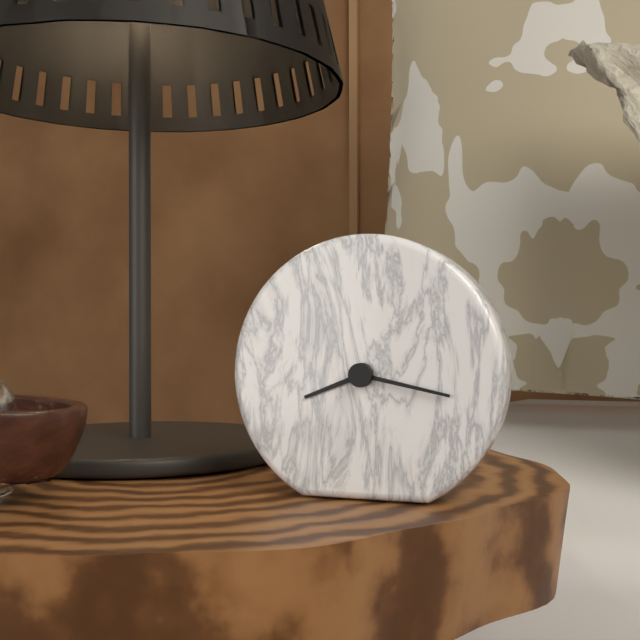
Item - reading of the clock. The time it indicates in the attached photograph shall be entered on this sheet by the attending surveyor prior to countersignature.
8:17
